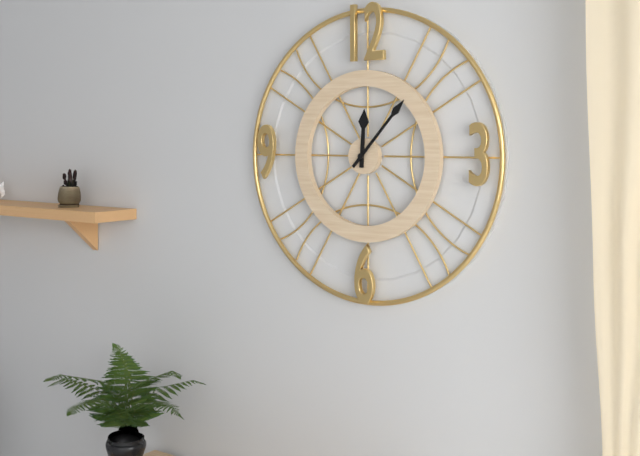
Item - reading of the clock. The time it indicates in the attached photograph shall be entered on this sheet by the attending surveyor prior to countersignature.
12:07
